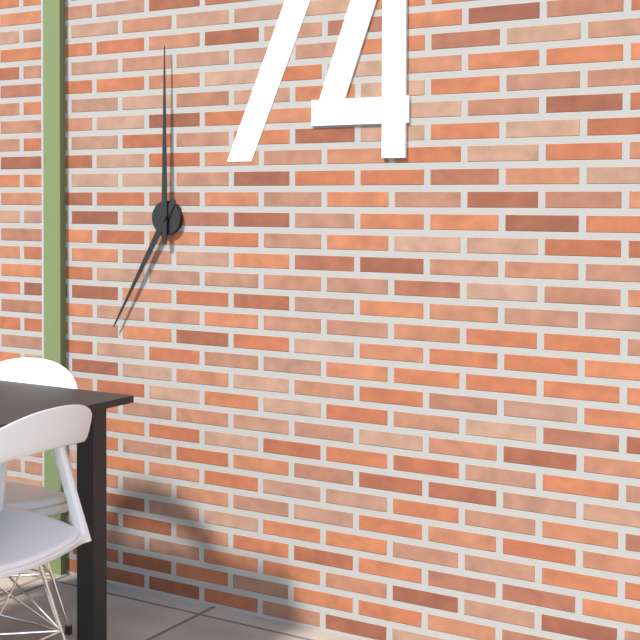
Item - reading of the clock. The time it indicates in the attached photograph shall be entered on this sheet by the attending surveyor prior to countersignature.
7:00
